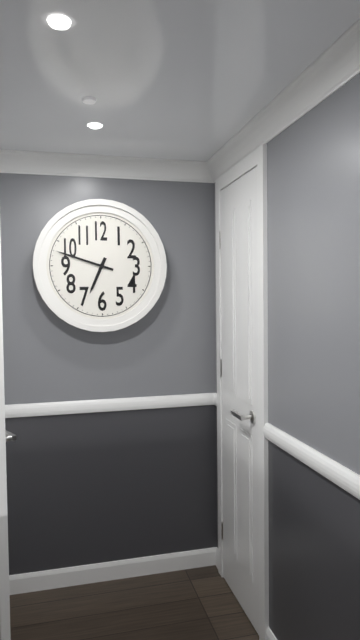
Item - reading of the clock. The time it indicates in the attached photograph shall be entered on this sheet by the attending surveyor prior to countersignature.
6:48
